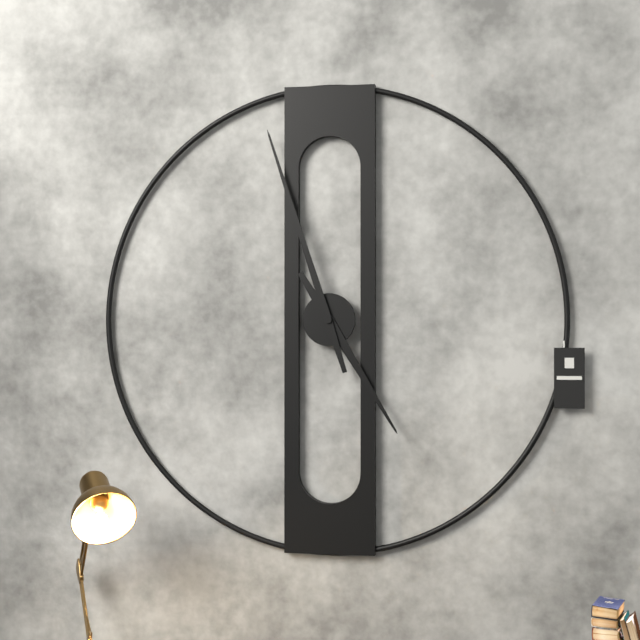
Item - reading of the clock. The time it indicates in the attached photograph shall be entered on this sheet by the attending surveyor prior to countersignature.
4:57
